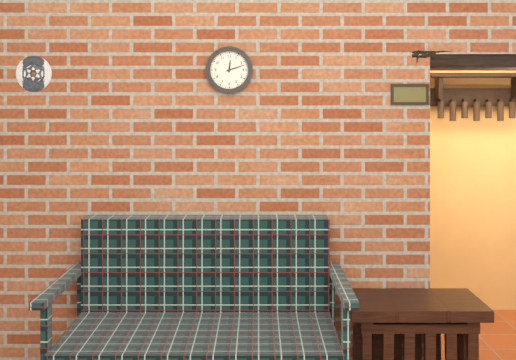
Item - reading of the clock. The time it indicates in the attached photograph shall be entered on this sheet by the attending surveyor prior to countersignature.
12:12
